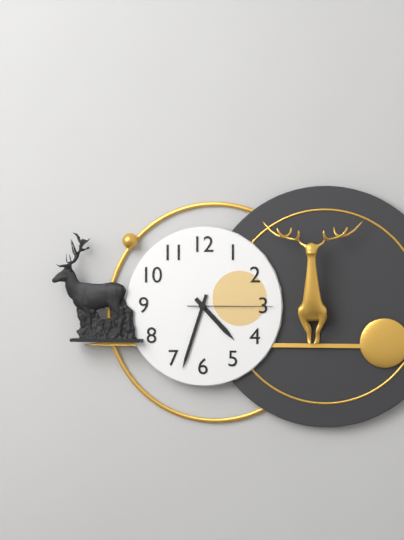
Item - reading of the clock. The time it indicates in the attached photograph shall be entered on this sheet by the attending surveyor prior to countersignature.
4:33:15
